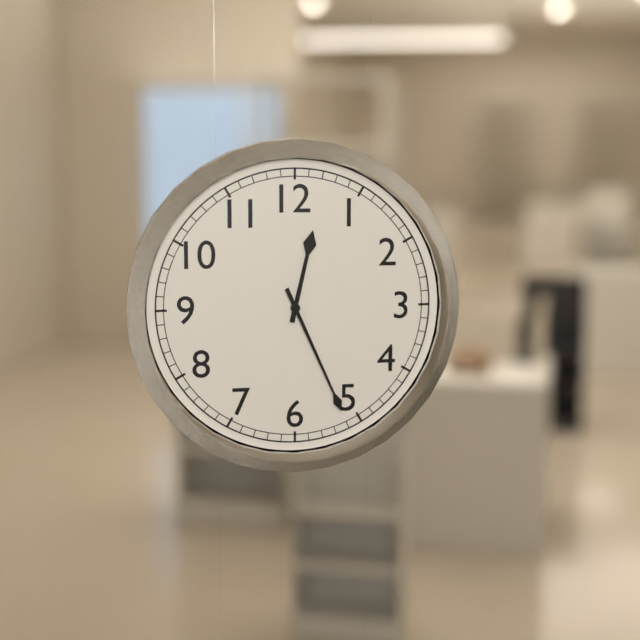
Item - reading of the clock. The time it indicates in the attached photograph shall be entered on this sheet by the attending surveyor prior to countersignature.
12:26
